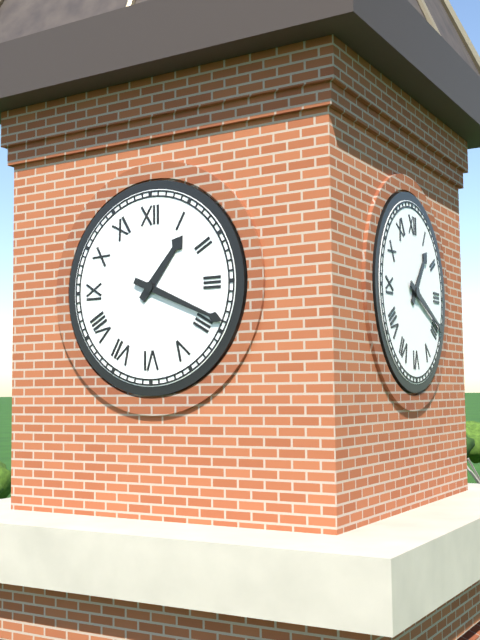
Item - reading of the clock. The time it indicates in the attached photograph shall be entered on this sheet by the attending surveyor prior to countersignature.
1:19
